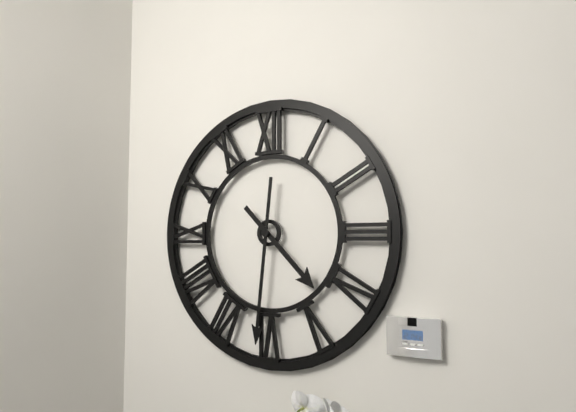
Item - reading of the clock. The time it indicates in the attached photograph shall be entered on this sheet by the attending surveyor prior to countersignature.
4:31
